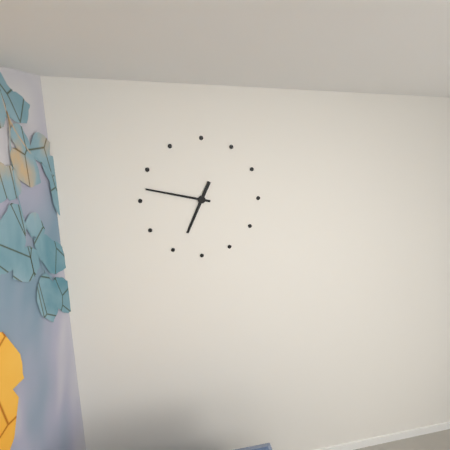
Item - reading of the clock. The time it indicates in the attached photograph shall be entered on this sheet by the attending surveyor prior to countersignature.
6:47
